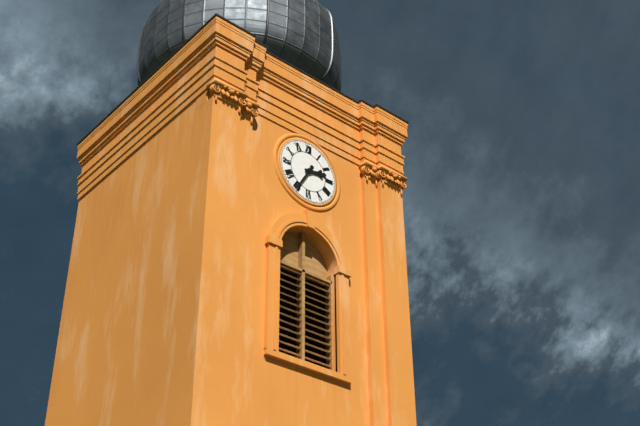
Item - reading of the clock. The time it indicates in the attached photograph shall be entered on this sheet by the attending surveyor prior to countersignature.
2:35
